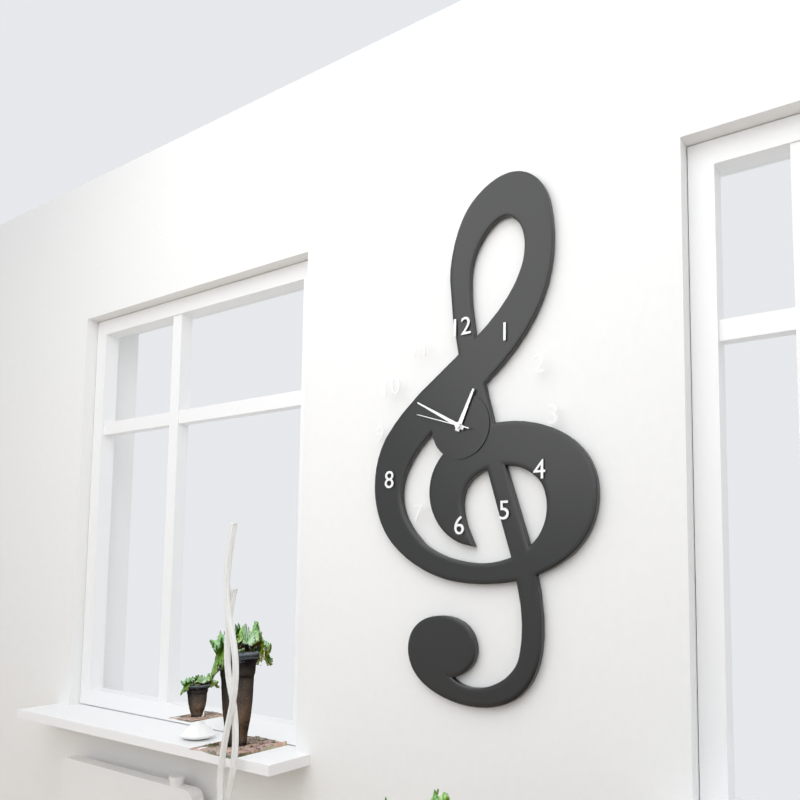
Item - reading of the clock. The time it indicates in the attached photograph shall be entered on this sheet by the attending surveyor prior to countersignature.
12:50:48
